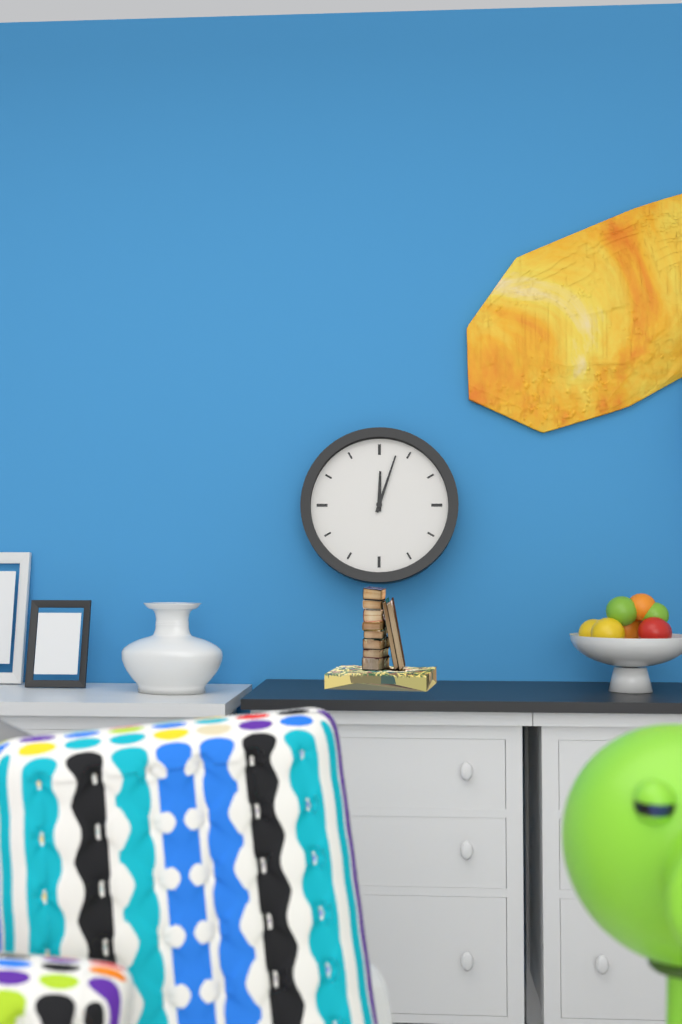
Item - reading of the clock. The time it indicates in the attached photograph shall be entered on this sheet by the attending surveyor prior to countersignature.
12:03
